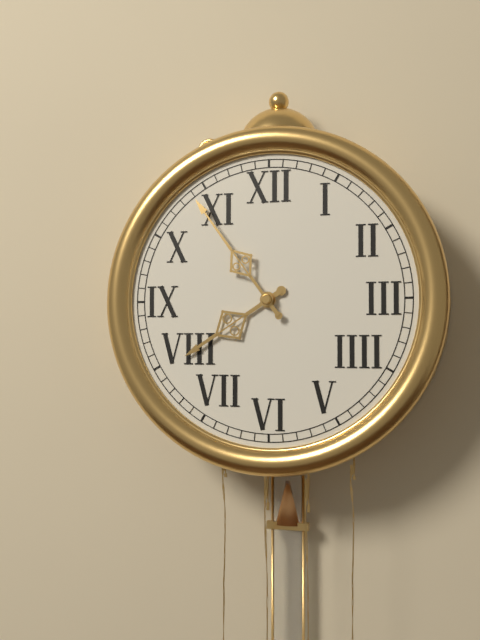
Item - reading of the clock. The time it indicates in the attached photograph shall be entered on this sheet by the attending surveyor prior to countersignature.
7:54
